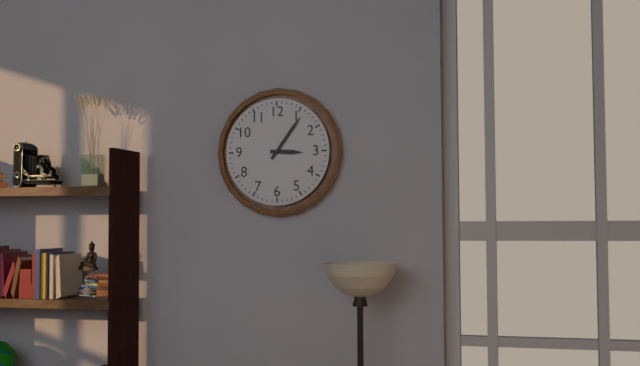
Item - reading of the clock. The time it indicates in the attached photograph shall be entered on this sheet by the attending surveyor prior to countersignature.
3:06
